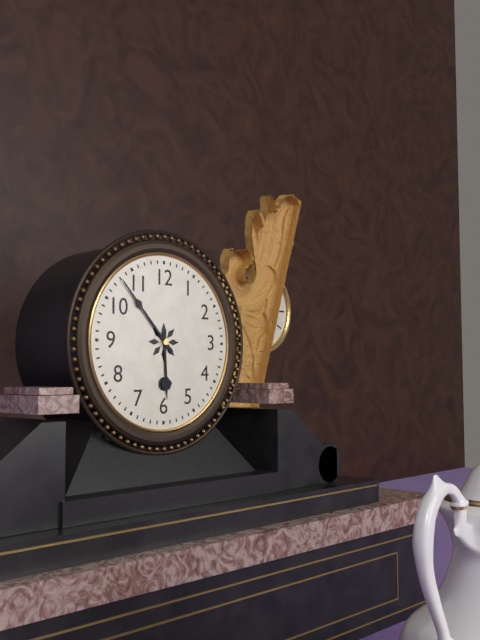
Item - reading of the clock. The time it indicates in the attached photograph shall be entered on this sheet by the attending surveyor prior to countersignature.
5:53
